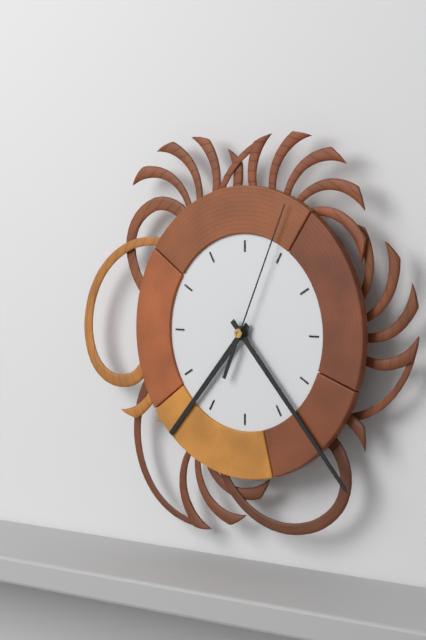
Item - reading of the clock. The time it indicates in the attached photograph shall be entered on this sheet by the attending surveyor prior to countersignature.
7:23:04
